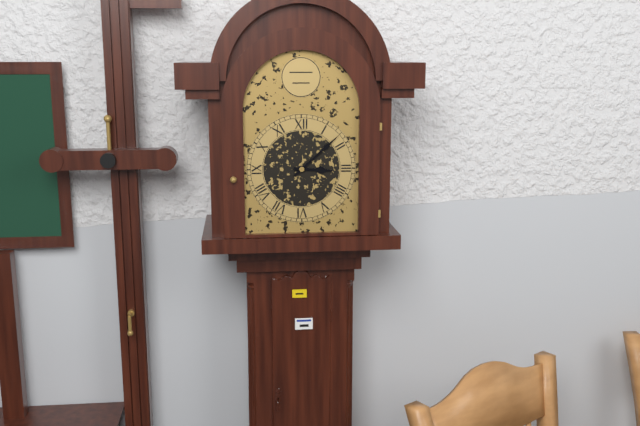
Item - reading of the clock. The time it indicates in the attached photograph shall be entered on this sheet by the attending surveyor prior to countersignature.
3:08
